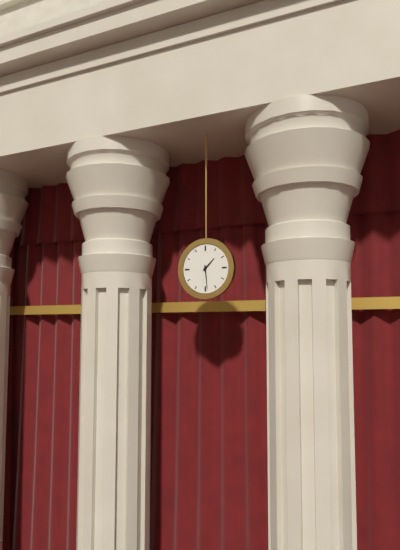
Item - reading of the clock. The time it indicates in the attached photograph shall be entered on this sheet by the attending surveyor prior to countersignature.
1:29
